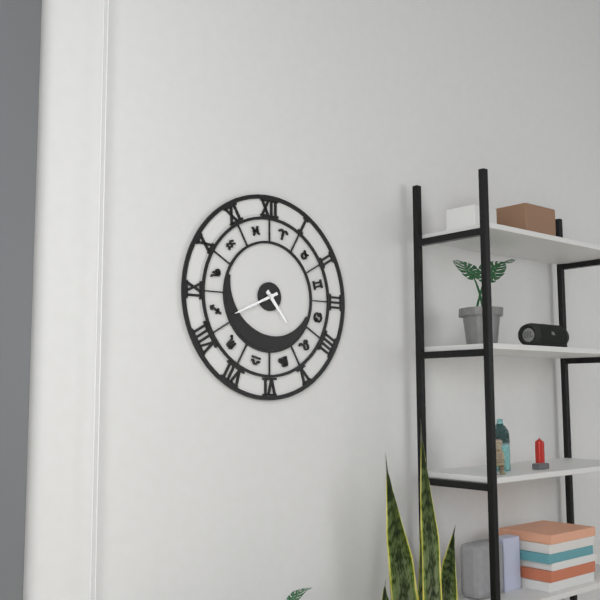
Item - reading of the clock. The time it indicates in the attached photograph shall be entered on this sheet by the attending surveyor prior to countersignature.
4:41
